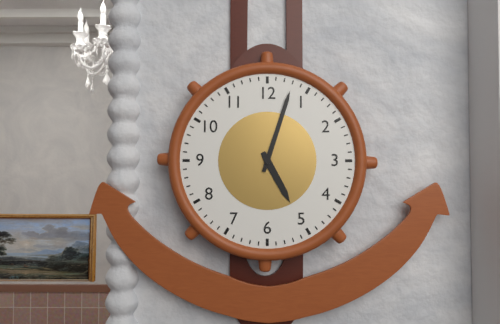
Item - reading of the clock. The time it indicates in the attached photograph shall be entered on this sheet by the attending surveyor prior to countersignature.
5:03
